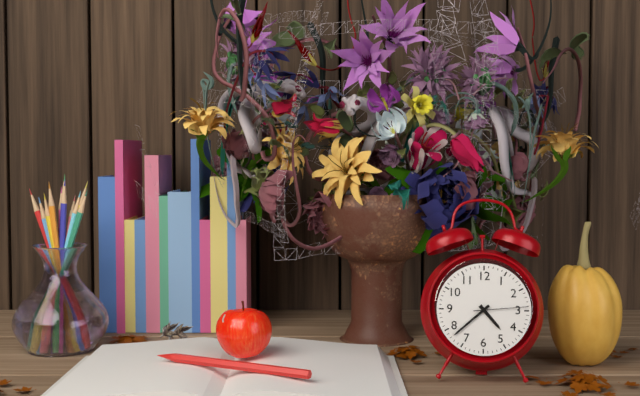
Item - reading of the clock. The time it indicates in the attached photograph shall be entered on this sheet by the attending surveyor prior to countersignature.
4:38:14
